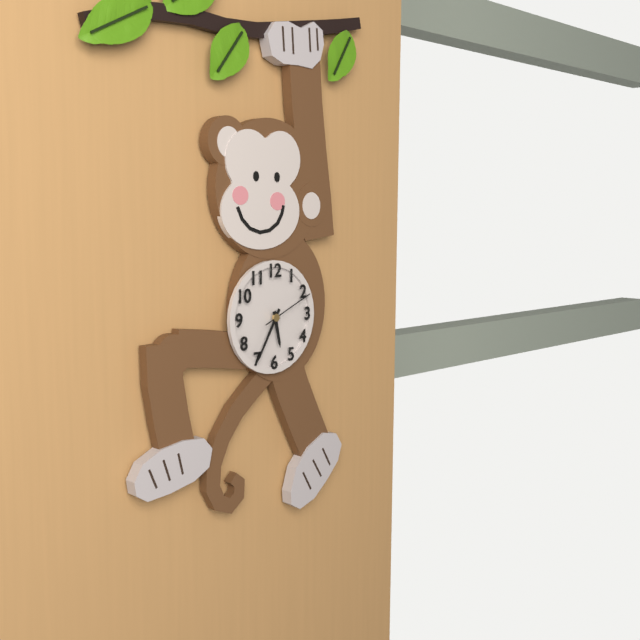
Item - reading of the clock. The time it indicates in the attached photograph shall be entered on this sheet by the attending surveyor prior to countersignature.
5:35:11
